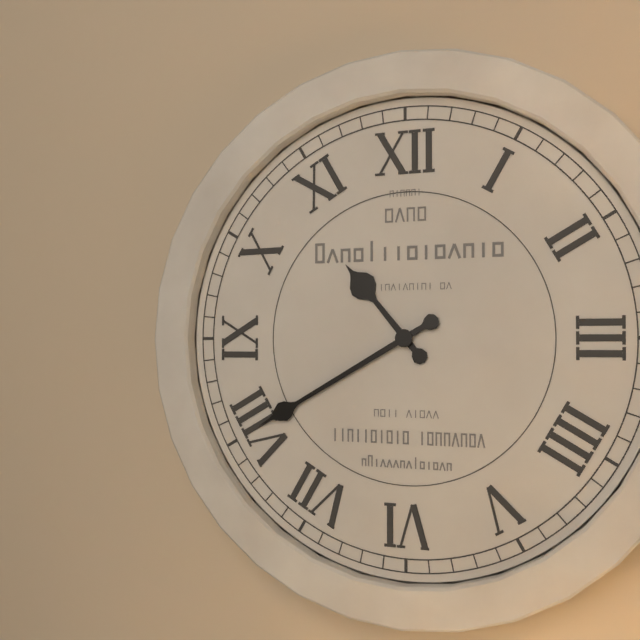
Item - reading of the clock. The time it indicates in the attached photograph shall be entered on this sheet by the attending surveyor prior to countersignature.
10:40
